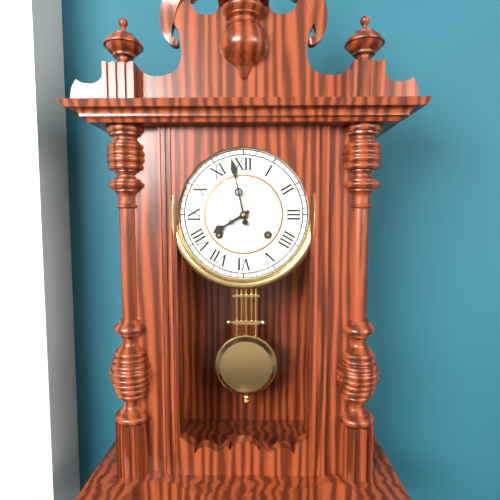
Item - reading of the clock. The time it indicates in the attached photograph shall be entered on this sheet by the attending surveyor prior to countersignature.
7:58
